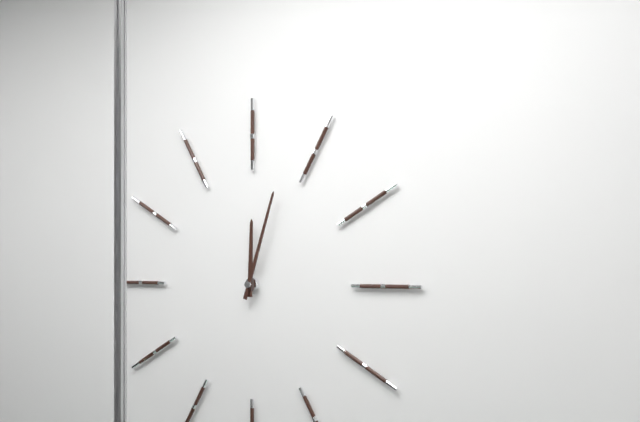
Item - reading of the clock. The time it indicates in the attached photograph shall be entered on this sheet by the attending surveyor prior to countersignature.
12:03
